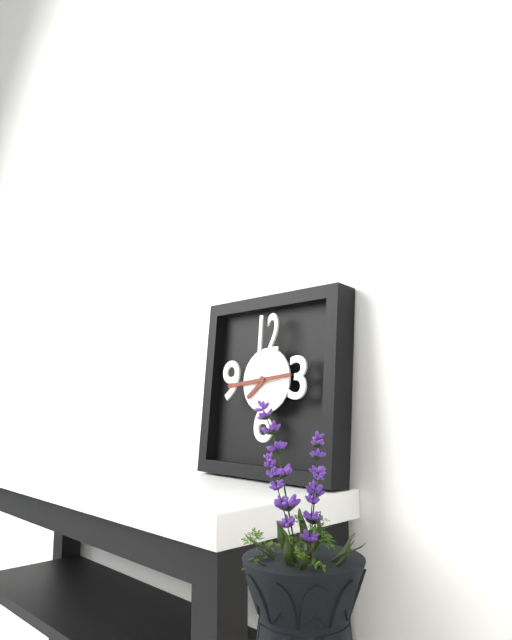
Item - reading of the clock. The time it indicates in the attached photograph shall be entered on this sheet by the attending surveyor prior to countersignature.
7:44
